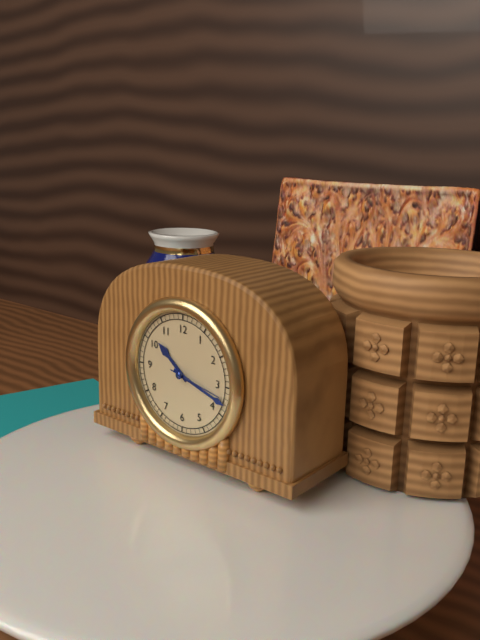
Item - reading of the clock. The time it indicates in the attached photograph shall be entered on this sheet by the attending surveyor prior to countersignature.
10:18:17
